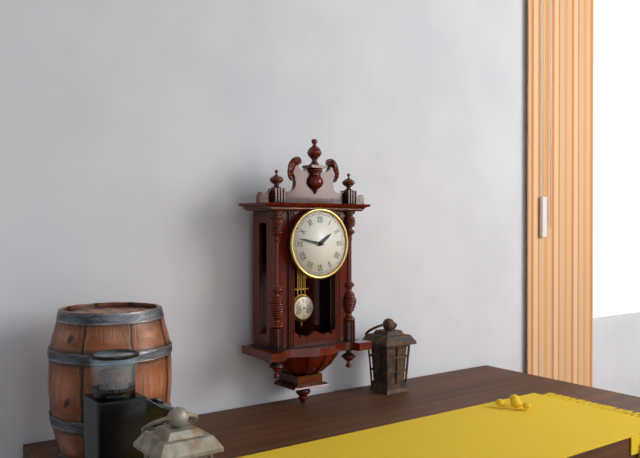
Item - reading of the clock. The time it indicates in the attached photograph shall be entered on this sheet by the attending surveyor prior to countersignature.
1:47
